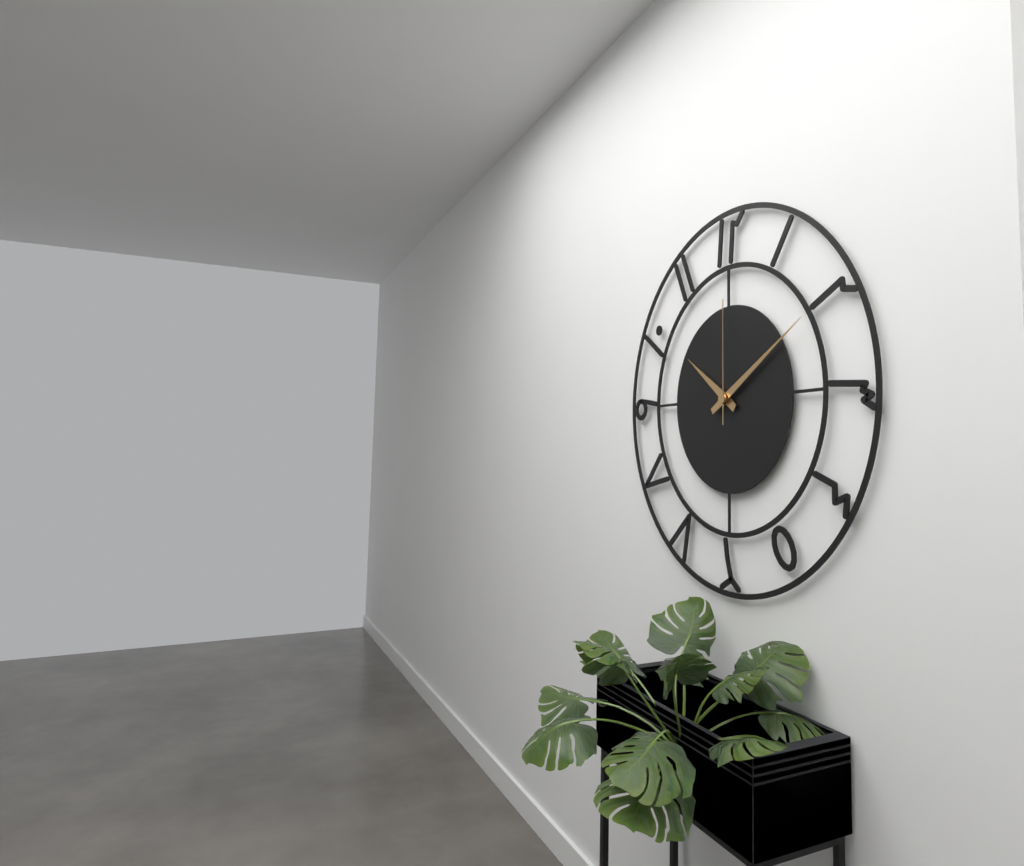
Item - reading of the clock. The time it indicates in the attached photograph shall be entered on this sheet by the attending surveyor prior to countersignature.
10:10:00
